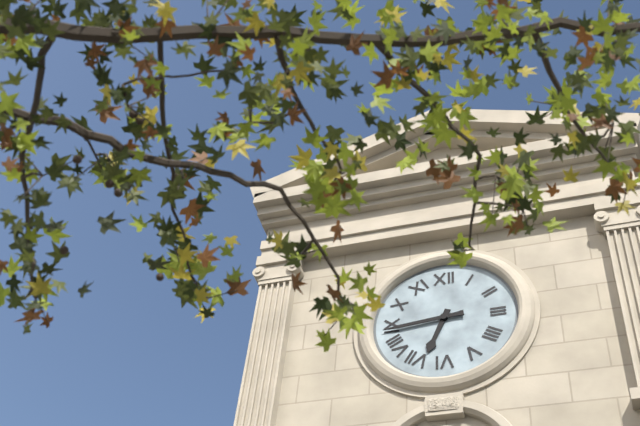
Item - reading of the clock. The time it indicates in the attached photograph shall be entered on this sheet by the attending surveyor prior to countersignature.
6:44
